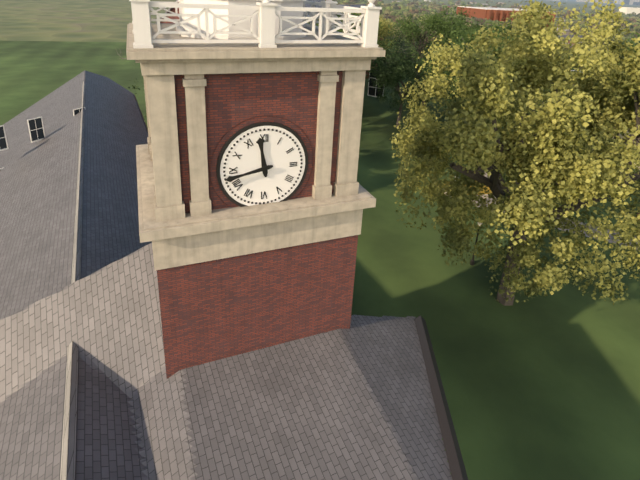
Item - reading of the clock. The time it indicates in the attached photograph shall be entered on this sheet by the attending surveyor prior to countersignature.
11:43
